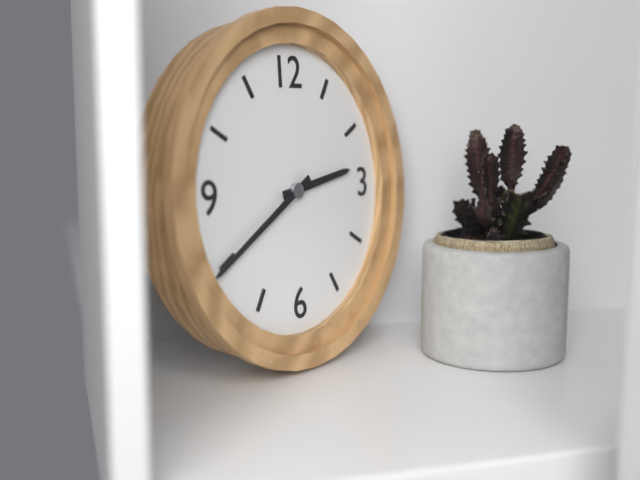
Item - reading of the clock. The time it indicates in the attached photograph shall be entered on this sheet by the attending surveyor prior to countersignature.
2:40
